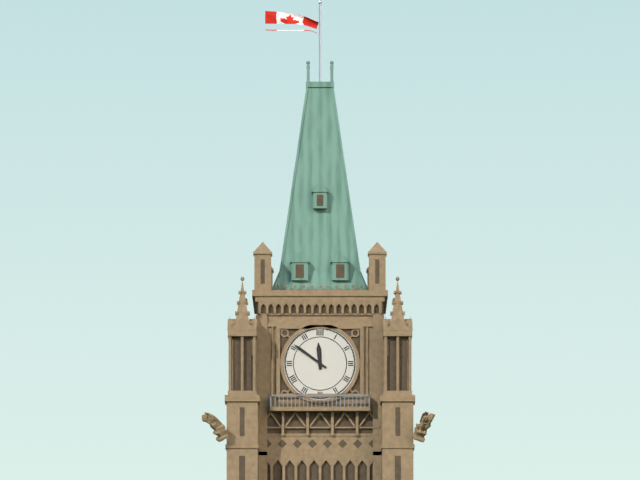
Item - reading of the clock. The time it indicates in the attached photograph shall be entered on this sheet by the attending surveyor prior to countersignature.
11:51
